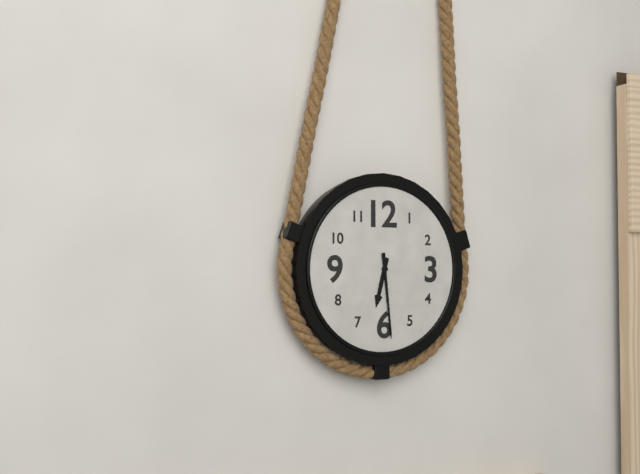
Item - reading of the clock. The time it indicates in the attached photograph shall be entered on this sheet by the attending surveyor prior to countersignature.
6:29
